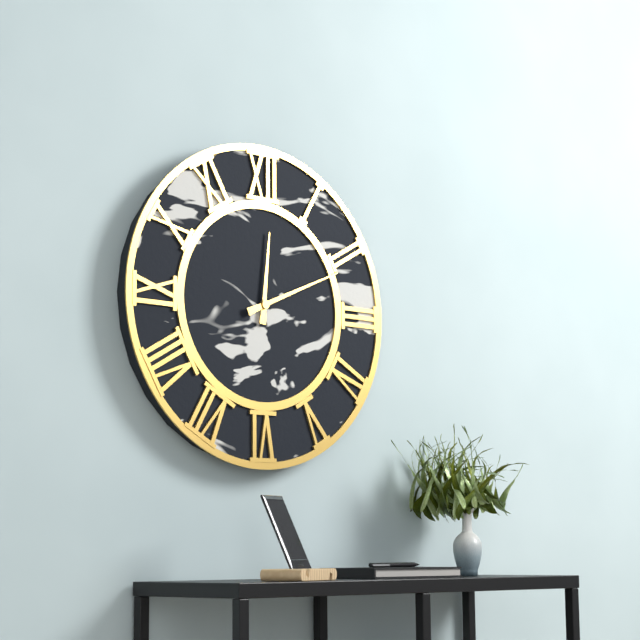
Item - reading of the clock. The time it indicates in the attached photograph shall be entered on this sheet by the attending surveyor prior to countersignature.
12:11
